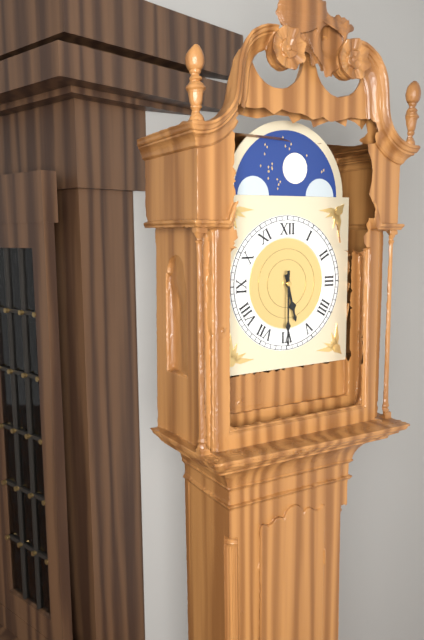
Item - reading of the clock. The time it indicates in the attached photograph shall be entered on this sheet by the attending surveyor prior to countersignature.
5:30
